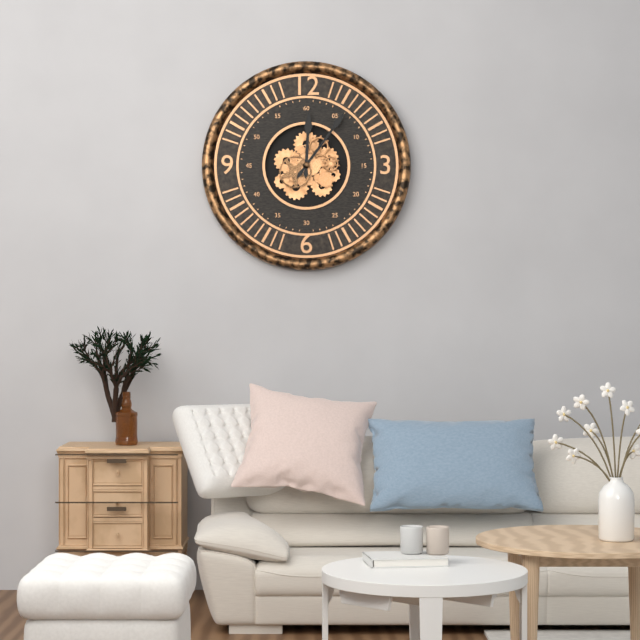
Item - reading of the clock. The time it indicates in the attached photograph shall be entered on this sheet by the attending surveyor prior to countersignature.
12:06
